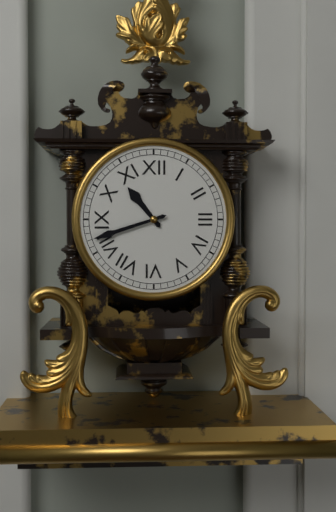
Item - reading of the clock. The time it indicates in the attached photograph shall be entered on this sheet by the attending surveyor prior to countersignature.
10:42
